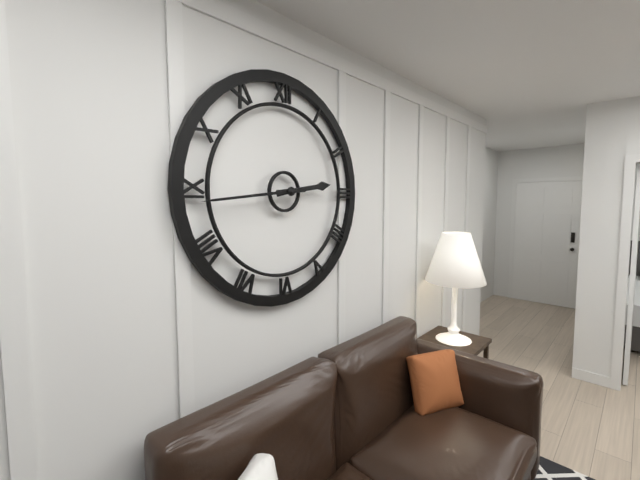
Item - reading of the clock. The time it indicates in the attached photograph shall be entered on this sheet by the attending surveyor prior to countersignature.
2:44
